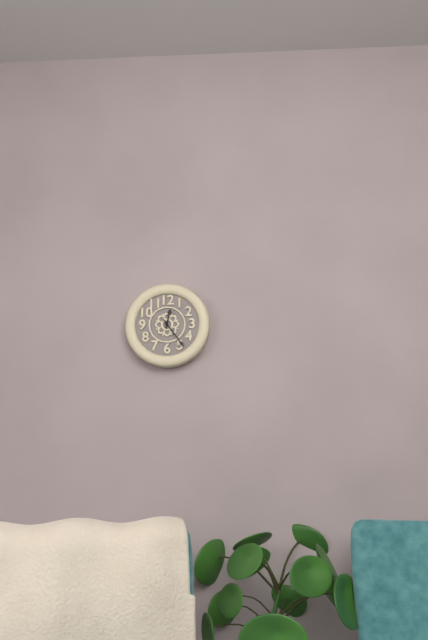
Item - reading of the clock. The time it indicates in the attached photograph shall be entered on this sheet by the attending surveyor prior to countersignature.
12:24
